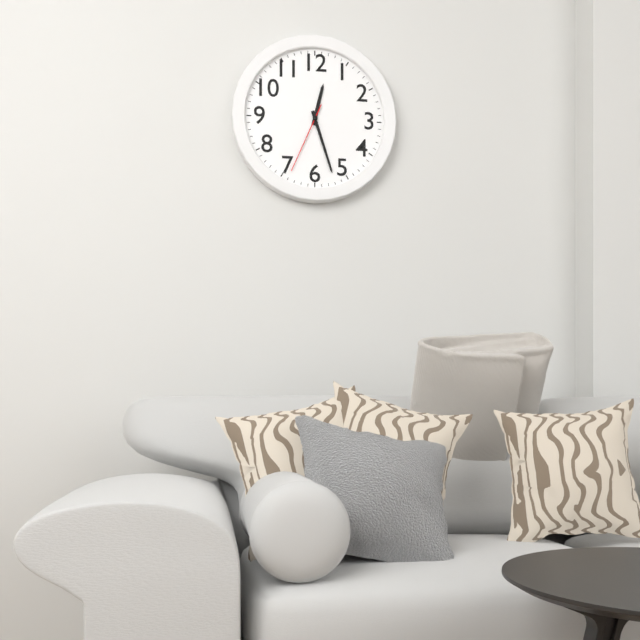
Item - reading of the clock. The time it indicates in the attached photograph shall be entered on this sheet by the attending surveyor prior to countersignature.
12:27:34
